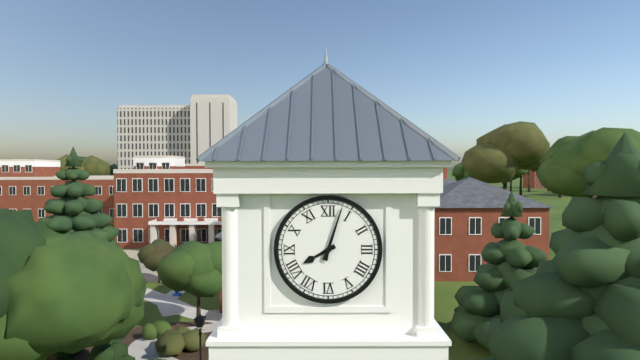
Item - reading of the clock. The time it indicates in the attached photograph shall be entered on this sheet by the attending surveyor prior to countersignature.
8:03
